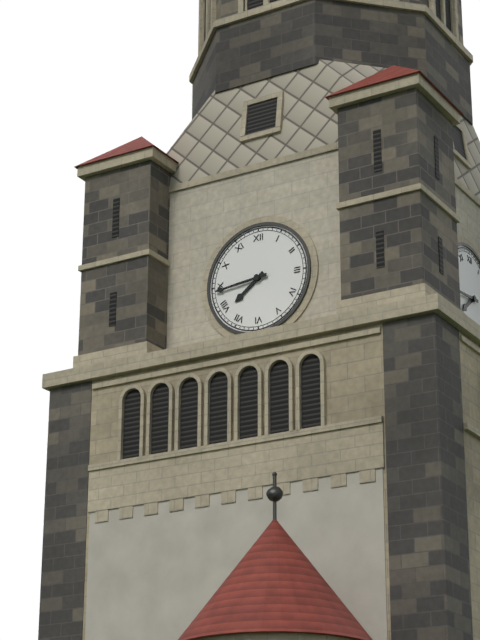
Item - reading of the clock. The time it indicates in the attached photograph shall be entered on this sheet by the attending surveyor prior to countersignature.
7:44
